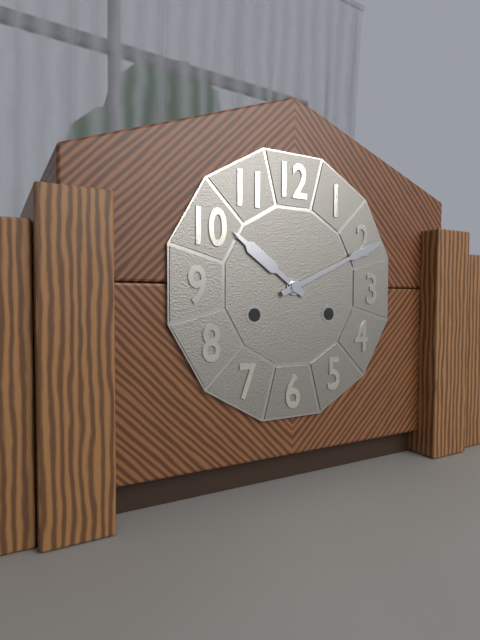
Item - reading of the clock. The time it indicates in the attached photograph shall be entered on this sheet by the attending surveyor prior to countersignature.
10:11
